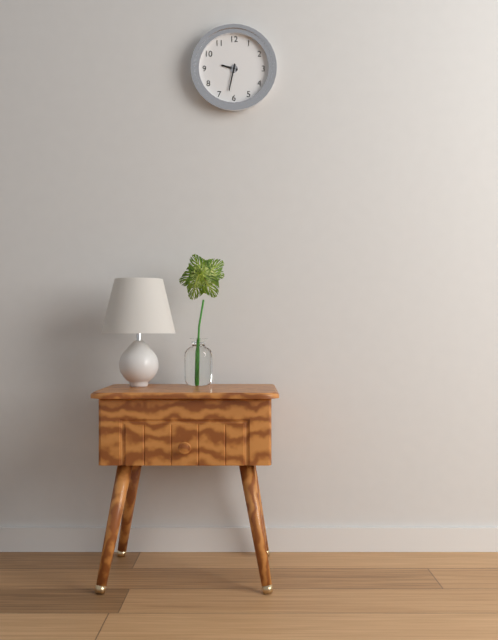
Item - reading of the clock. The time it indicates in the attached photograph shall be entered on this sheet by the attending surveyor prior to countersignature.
9:32
